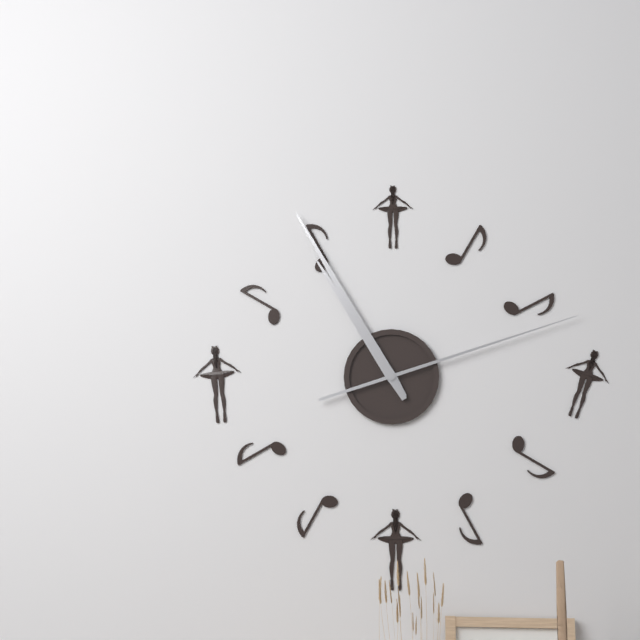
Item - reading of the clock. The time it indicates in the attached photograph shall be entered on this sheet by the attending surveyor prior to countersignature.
10:55:12
